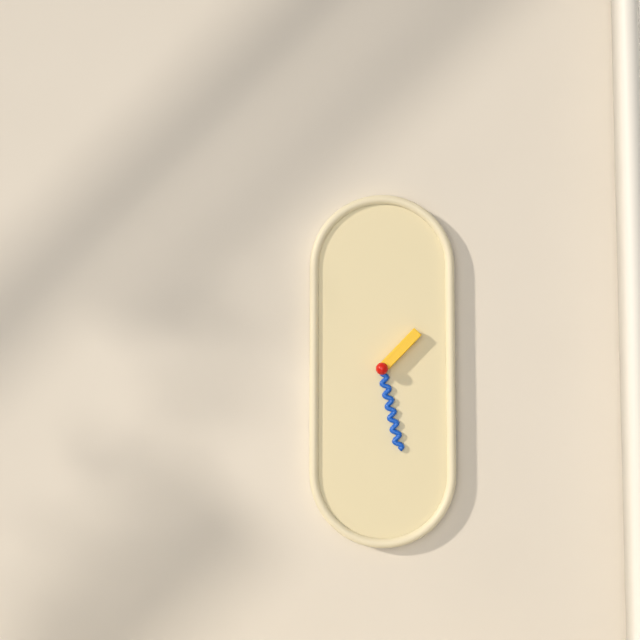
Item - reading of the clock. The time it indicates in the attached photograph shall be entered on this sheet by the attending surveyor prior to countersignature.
1:28
